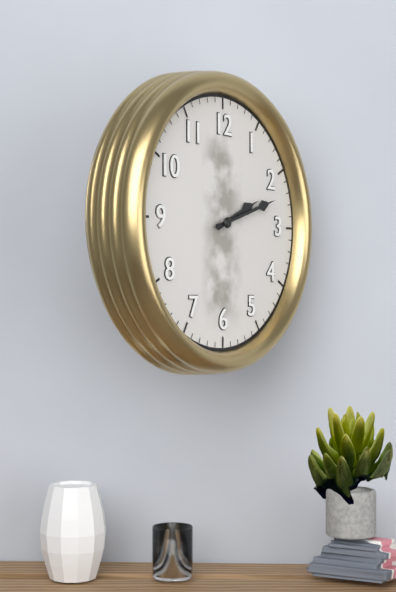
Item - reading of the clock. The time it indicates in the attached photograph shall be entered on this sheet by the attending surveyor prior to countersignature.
2:12
